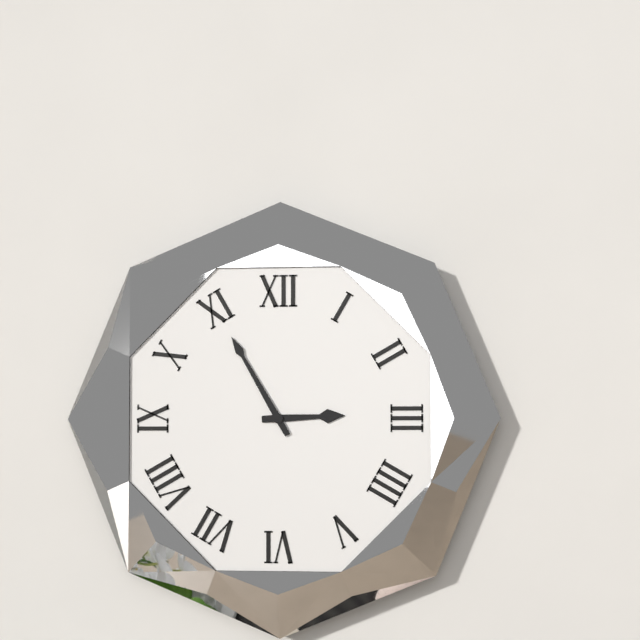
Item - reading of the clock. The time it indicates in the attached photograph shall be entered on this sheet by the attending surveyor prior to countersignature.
2:55
